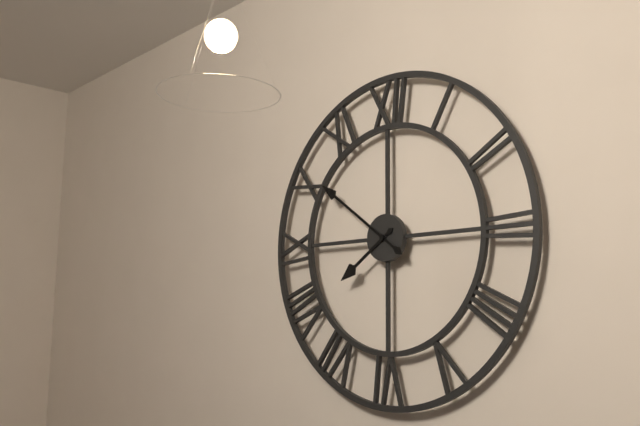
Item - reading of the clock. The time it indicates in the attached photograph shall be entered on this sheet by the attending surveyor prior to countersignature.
7:51
